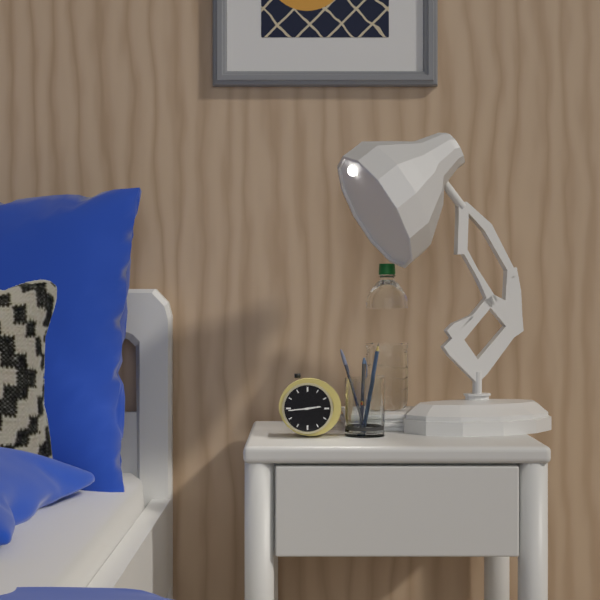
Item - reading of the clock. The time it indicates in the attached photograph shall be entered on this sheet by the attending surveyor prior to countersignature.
2:44
